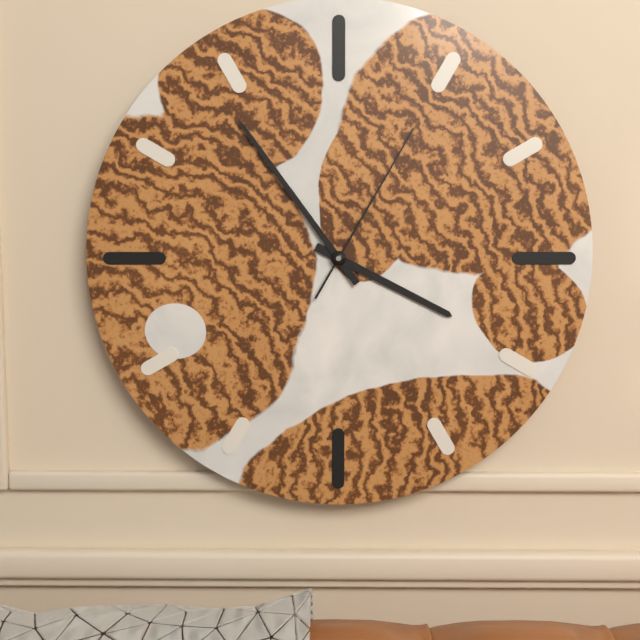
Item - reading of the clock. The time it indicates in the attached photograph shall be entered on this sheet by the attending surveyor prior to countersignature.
3:54:05
